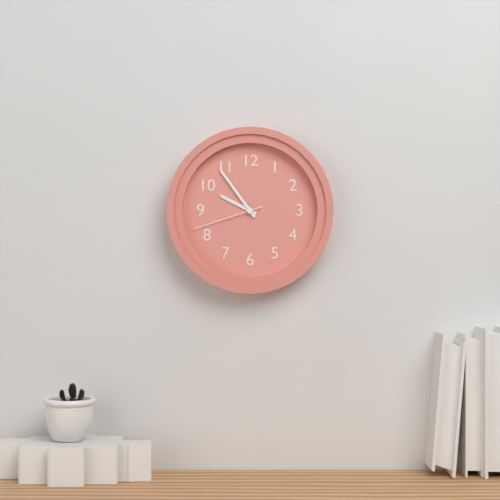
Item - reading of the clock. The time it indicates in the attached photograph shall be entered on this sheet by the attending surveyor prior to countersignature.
9:54:42
